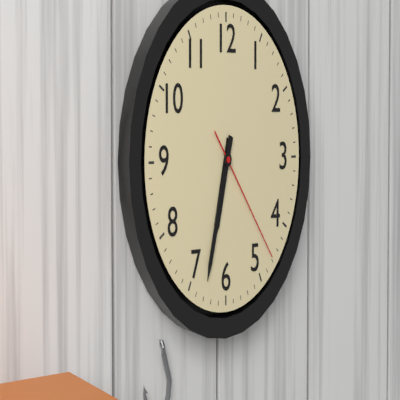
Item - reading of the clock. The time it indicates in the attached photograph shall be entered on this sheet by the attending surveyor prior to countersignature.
6:33:23
